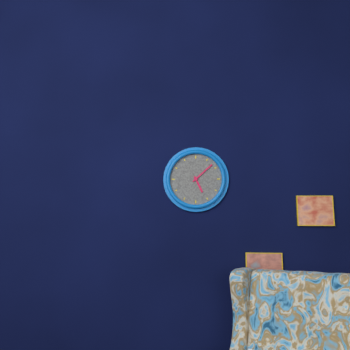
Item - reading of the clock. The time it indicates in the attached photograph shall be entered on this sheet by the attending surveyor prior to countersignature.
5:08
